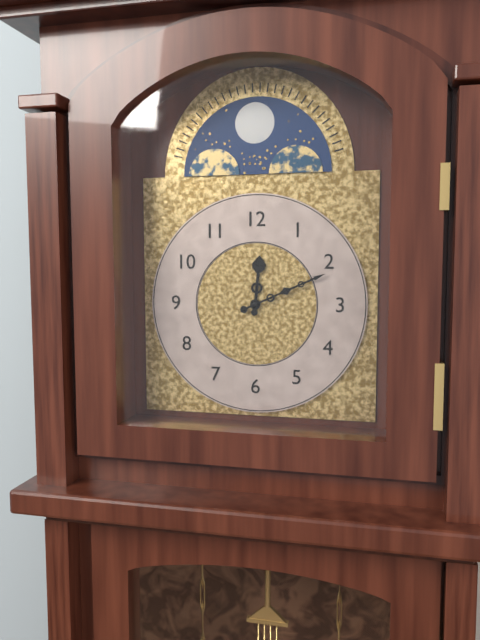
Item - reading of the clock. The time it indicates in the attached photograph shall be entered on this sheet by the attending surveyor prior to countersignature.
12:11
